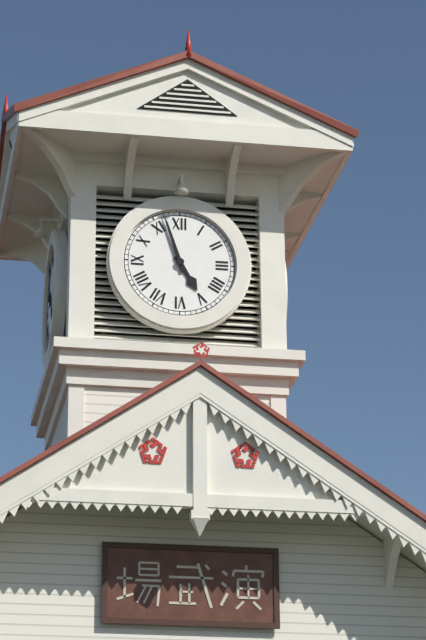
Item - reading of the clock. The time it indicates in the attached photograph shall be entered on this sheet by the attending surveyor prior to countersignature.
4:57
